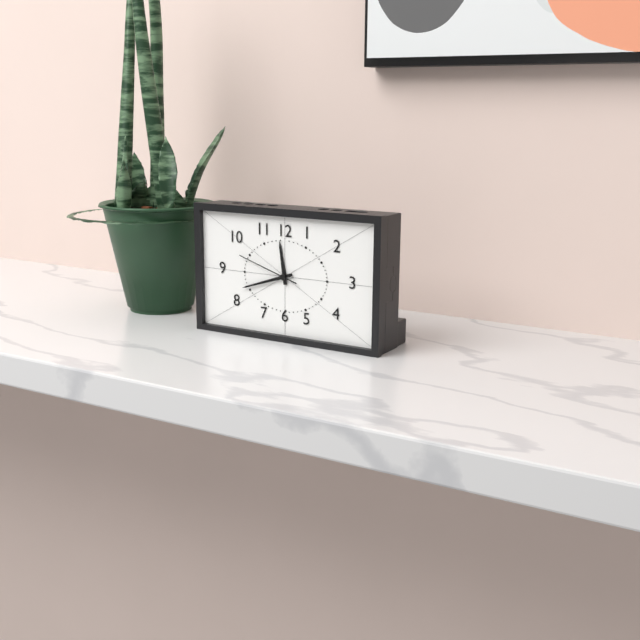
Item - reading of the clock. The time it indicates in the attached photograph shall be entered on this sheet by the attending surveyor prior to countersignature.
11:42:48
